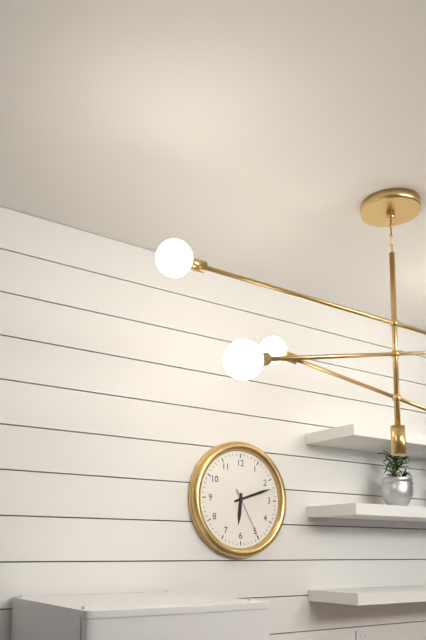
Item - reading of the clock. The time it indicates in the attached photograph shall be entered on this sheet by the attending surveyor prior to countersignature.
6:12:25
